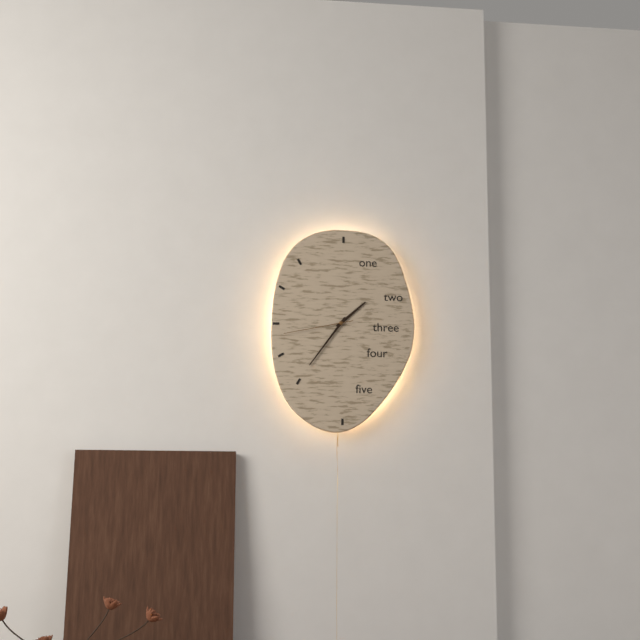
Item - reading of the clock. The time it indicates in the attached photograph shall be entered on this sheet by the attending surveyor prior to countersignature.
1:36:43
